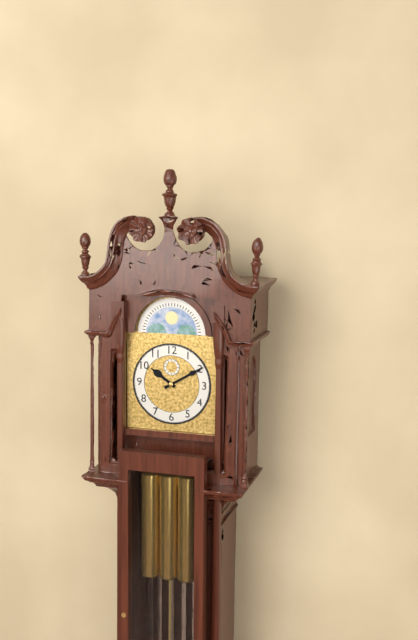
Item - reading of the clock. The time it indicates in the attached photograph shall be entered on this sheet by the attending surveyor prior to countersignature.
10:10
